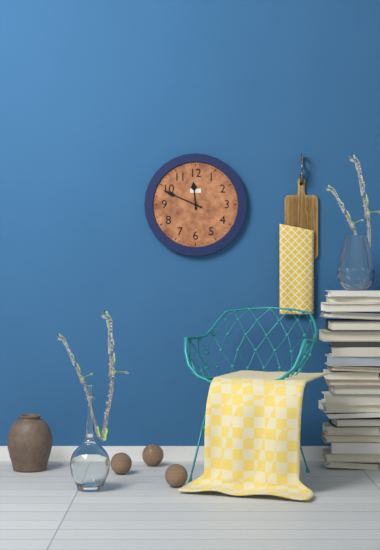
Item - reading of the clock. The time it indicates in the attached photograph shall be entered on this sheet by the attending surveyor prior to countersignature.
11:49
